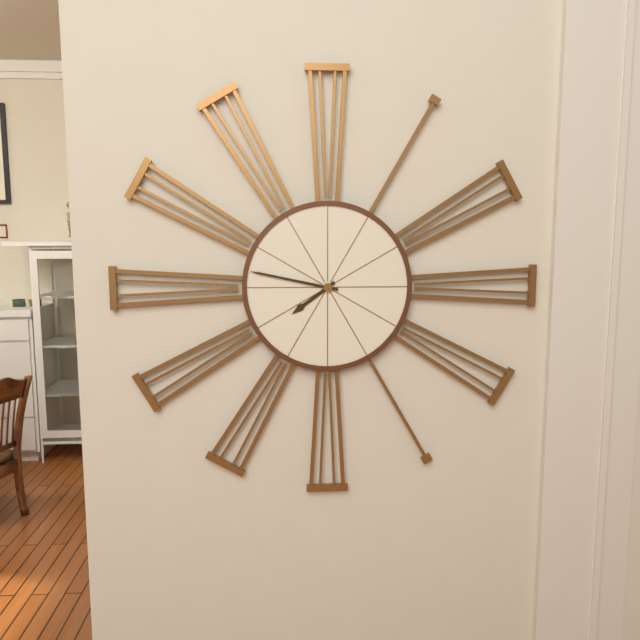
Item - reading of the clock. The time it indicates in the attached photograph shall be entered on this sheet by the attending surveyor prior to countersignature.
7:47
